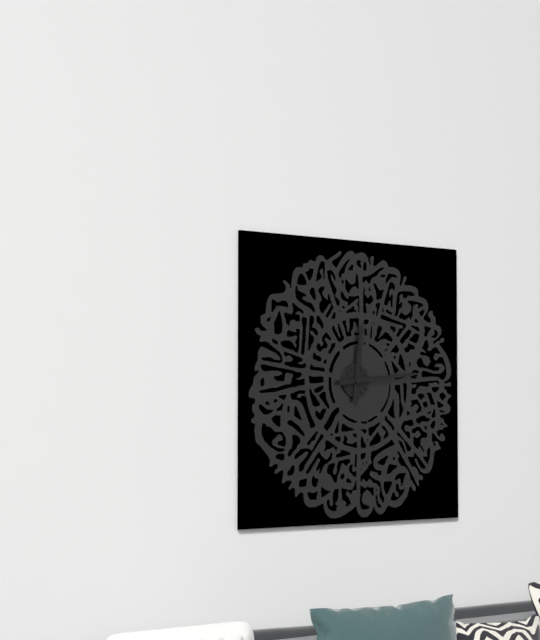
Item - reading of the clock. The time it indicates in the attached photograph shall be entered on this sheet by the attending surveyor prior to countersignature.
12:14
